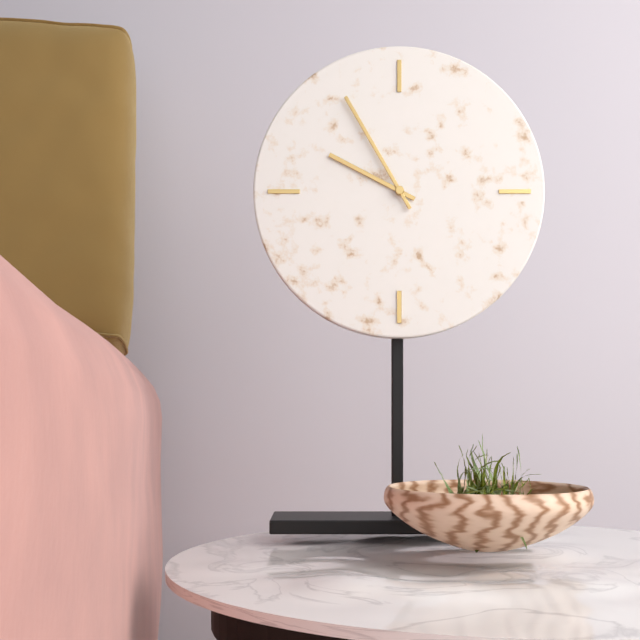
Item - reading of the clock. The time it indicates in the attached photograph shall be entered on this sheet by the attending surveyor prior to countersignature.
9:55
